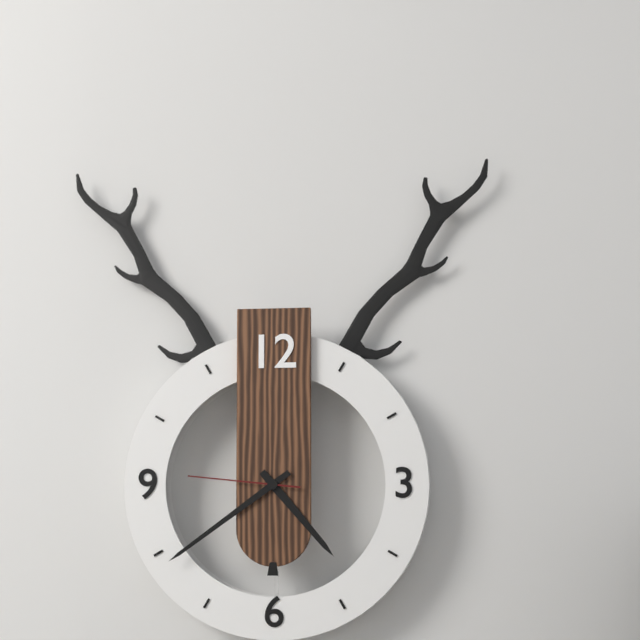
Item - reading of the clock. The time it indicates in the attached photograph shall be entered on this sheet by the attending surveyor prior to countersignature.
4:39:46
